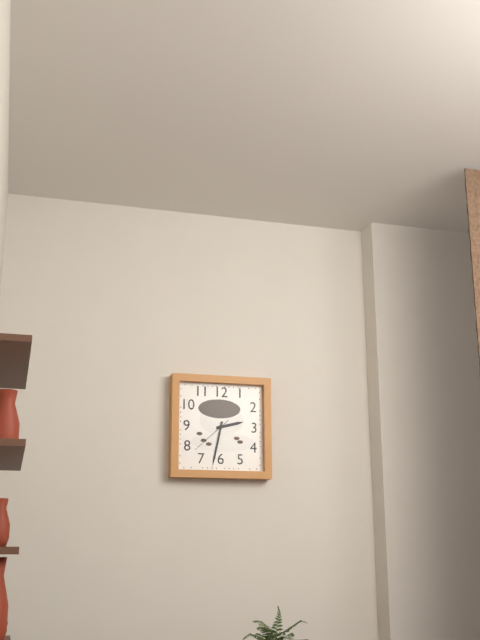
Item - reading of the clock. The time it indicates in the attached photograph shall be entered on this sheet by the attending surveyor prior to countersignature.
2:32
